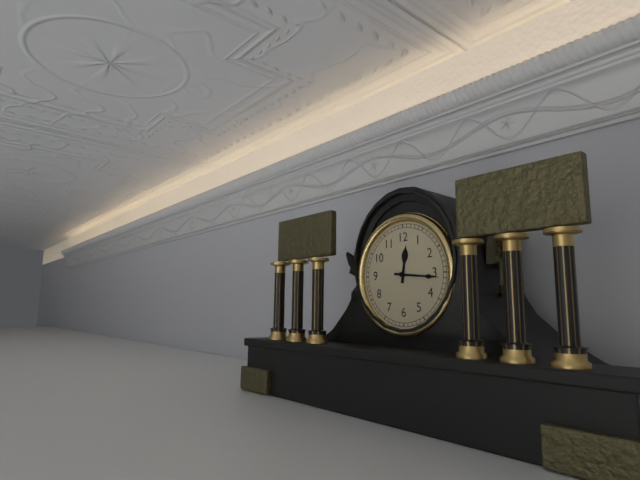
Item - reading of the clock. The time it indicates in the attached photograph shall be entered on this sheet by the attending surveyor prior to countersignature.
12:16
